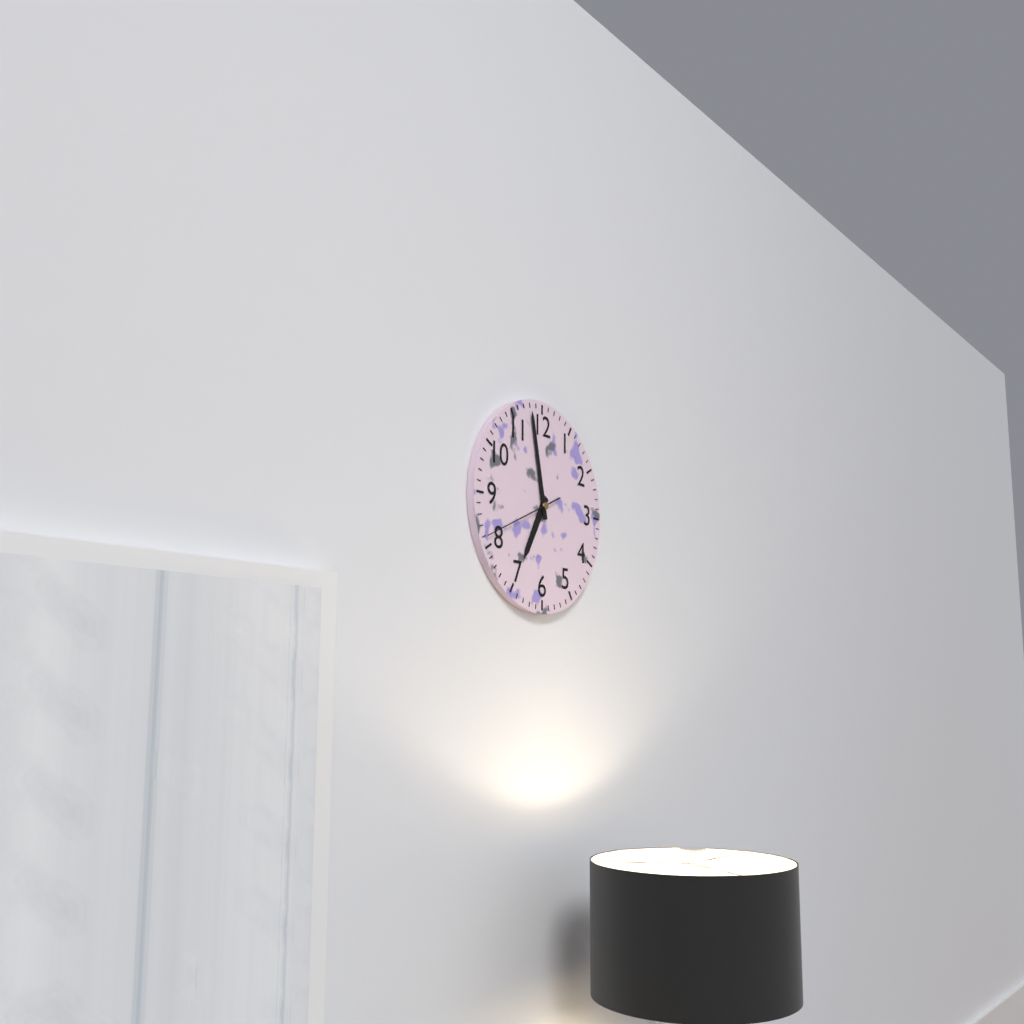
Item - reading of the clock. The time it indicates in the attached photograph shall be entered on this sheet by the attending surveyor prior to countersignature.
6:58:41
